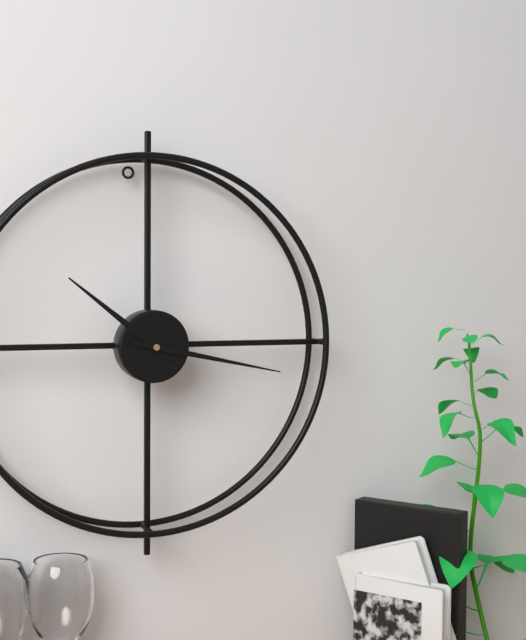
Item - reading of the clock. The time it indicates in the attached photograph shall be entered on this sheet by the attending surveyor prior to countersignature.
10:17
